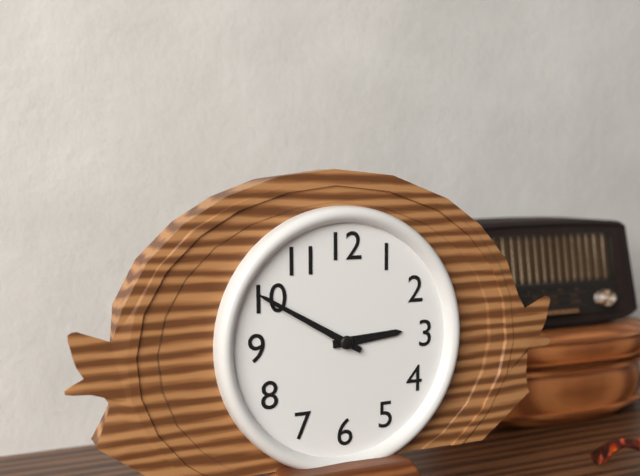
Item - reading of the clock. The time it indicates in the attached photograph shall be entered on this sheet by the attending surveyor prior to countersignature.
2:50
